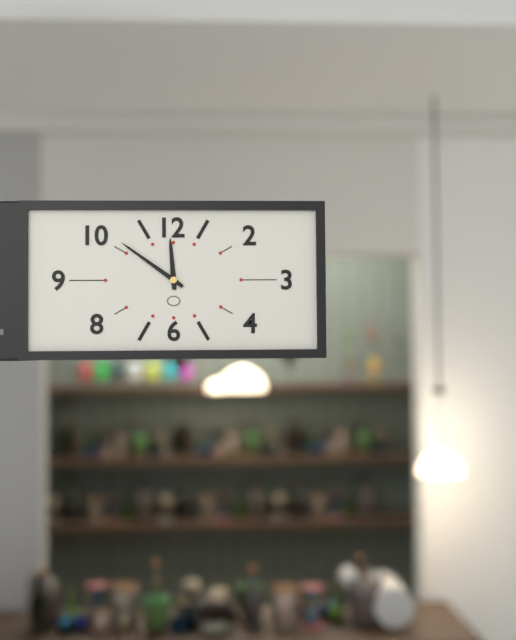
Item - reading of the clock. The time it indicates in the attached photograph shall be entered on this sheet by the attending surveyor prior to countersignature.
11:51
